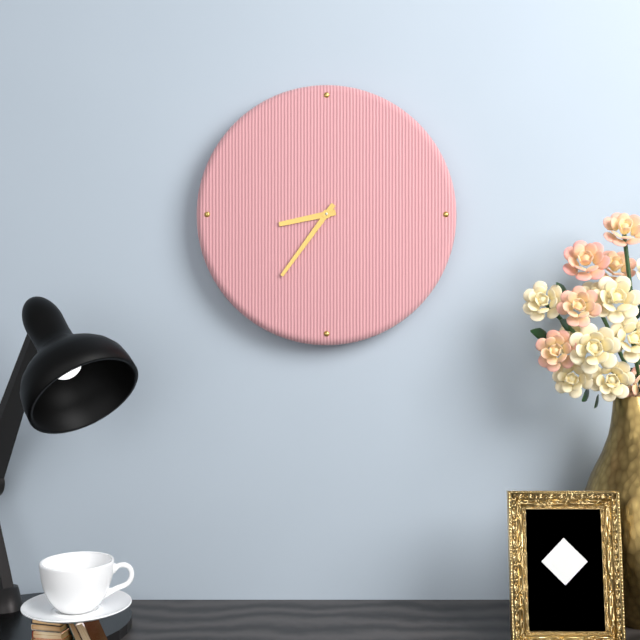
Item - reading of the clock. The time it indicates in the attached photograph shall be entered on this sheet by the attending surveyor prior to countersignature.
8:36
